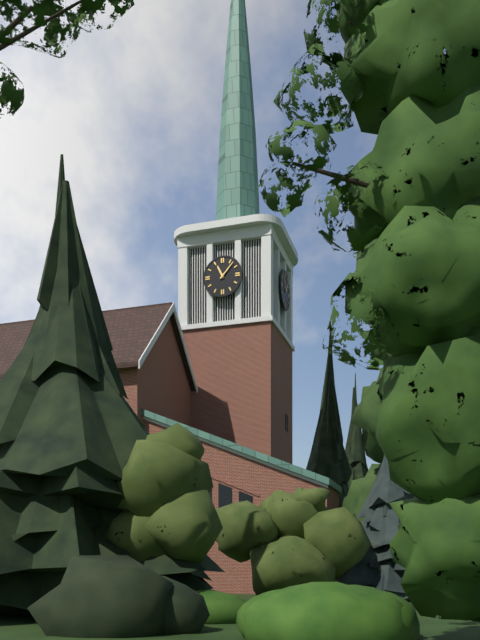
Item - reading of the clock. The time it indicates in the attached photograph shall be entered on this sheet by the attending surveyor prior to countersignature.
11:07
